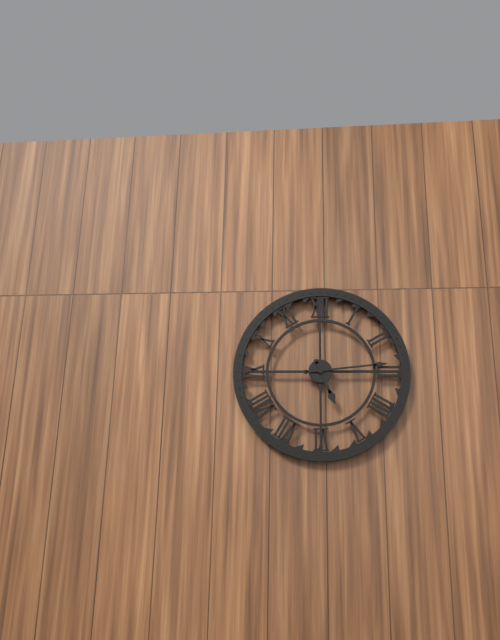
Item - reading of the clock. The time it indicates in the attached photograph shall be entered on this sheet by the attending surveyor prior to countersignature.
5:14
